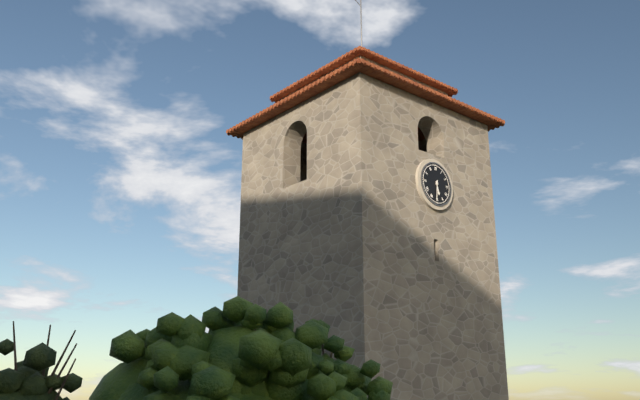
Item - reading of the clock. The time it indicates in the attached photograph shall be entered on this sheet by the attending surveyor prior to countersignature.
5:31
